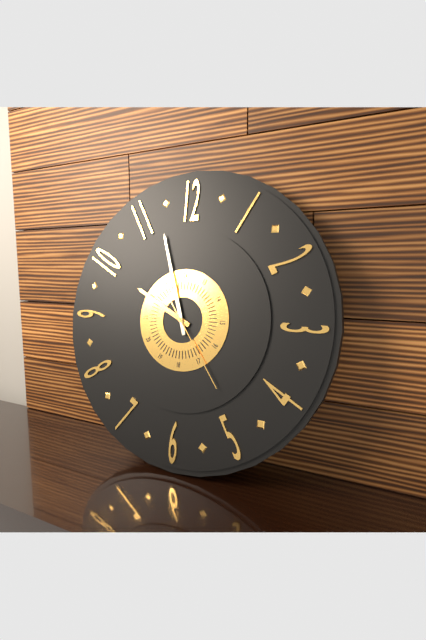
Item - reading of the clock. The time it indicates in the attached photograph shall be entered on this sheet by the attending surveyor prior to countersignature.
9:57:24
